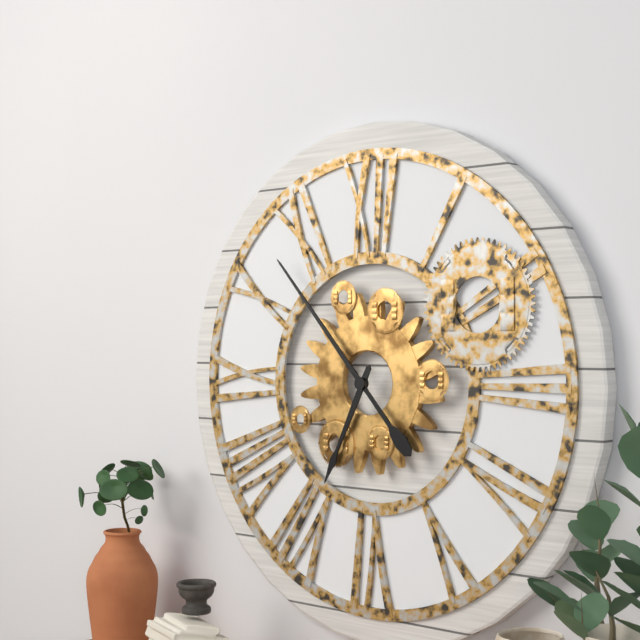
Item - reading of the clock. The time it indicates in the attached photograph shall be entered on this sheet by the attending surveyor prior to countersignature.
6:53
